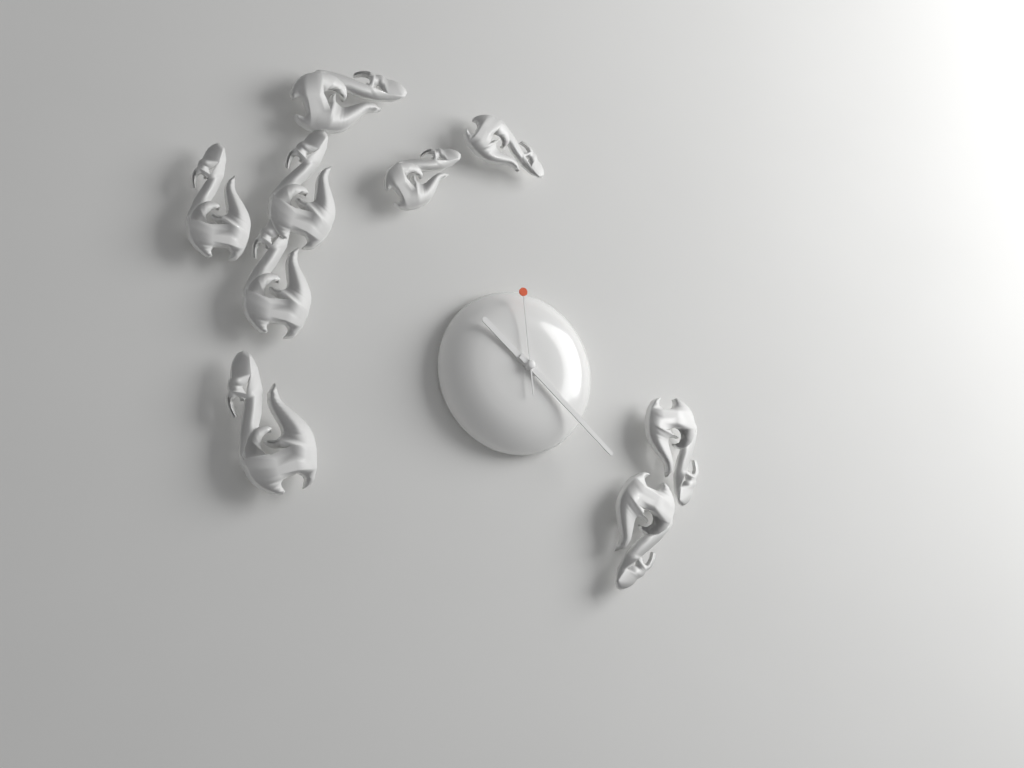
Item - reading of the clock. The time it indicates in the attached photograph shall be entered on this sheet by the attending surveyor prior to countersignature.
10:22:59
